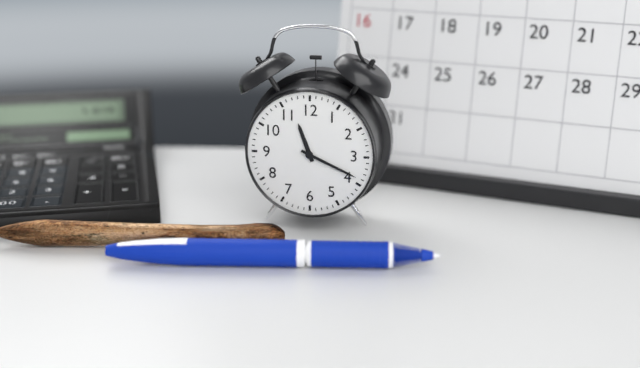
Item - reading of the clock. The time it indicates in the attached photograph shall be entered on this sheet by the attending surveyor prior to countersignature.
11:19
